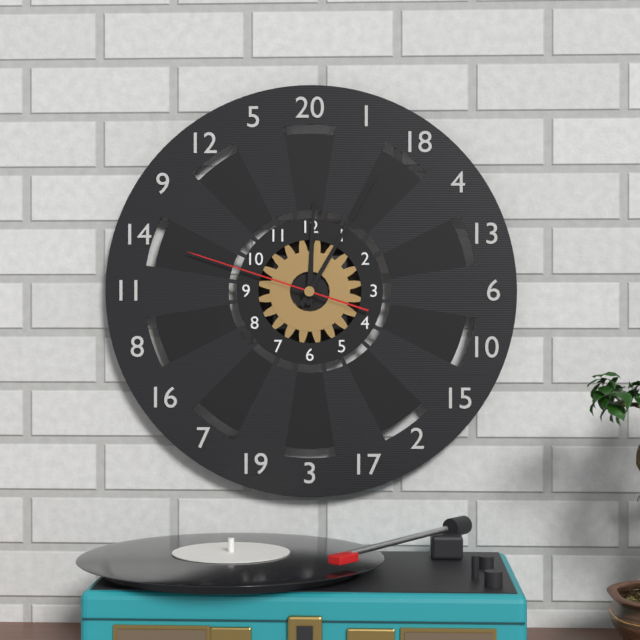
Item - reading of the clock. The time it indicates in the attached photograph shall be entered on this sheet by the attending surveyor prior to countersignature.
12:05:48
